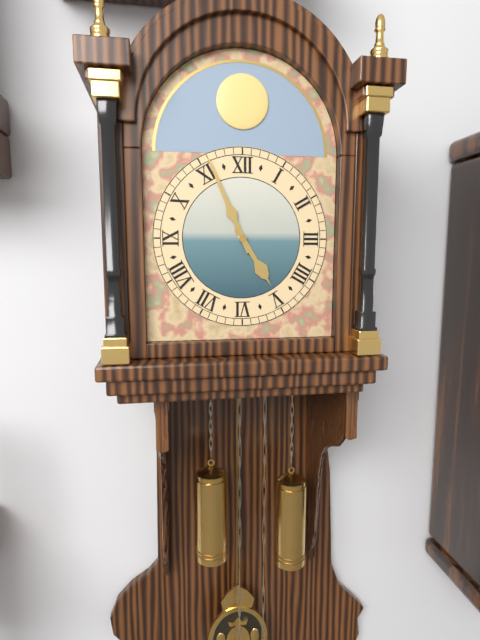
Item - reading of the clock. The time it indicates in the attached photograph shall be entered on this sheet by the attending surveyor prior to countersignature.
4:56
